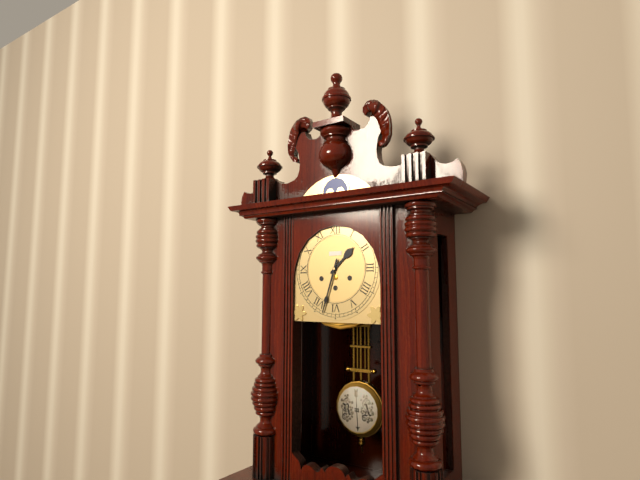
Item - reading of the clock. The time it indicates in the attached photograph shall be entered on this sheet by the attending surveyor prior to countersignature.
1:33
